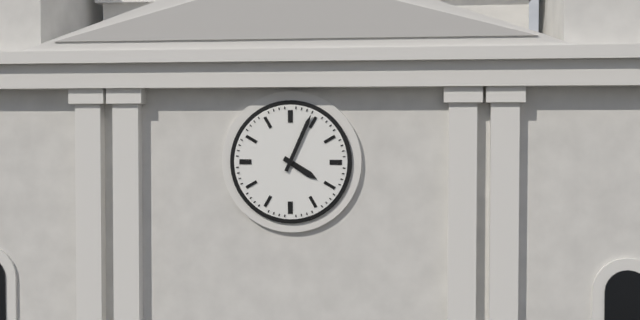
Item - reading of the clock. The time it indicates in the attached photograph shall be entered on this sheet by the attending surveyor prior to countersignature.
4:04
